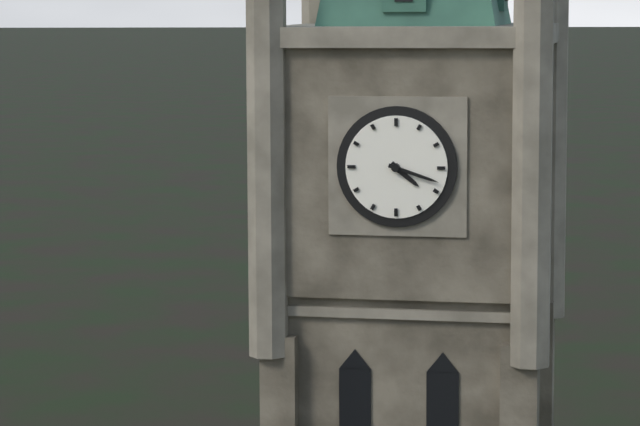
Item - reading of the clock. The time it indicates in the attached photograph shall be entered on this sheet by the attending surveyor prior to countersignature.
4:18
